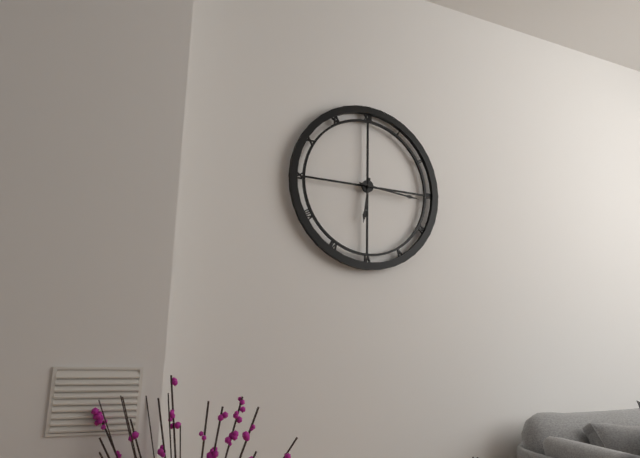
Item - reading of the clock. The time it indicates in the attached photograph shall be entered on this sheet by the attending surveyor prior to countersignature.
6:16
